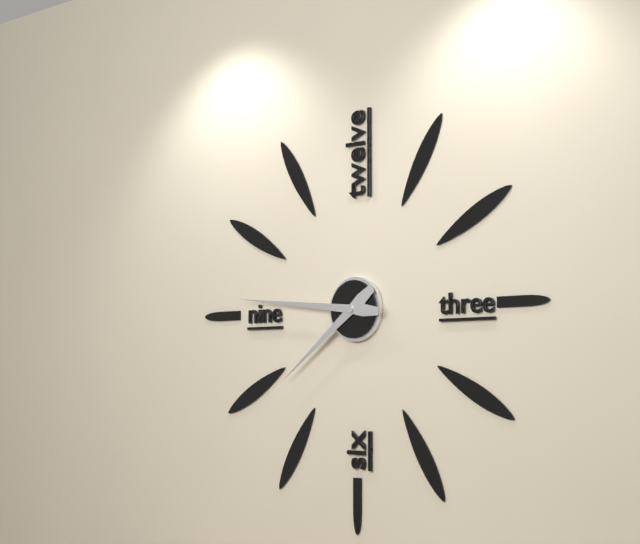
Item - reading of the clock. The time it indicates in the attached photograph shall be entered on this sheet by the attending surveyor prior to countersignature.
7:46
